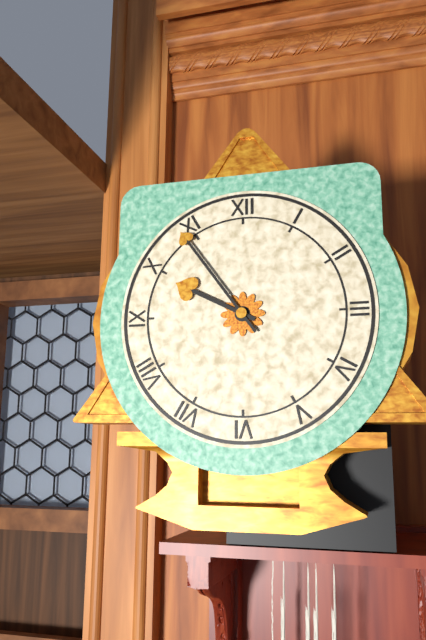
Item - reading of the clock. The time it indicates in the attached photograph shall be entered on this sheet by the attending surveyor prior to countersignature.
9:54
